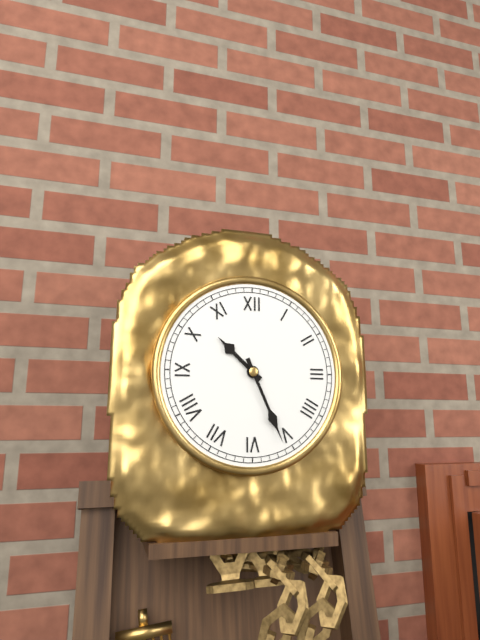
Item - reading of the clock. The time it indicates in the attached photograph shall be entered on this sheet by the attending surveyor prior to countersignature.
10:26
